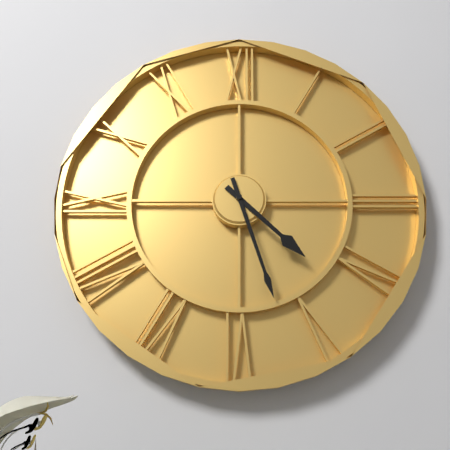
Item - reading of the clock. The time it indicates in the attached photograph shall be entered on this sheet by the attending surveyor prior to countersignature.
4:27
